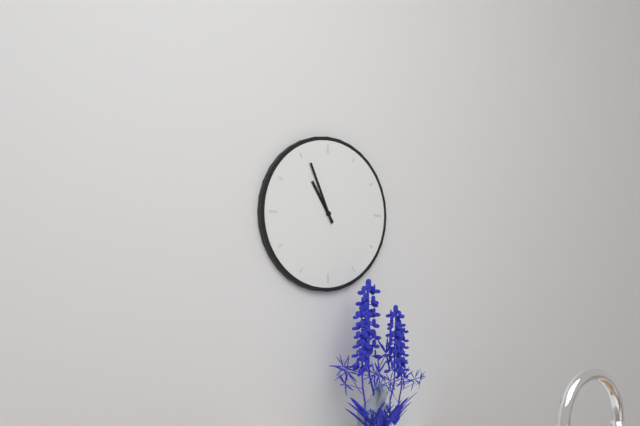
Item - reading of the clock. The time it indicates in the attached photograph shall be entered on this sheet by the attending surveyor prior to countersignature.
10:56
